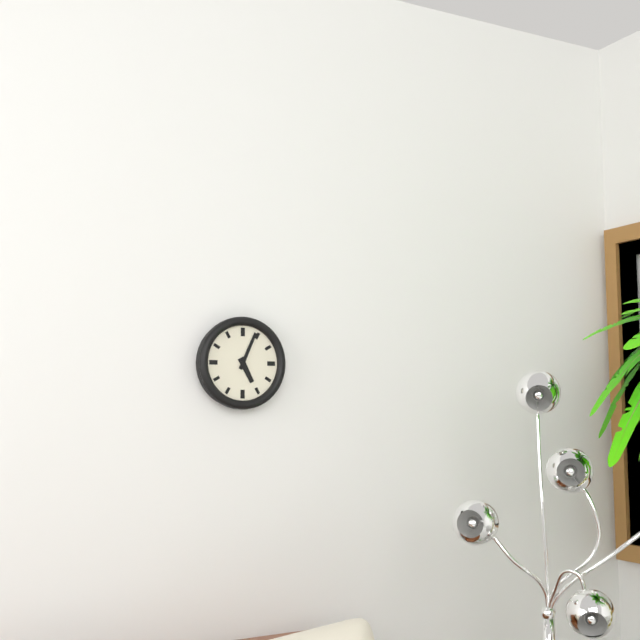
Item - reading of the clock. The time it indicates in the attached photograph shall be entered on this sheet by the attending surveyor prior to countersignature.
5:04
